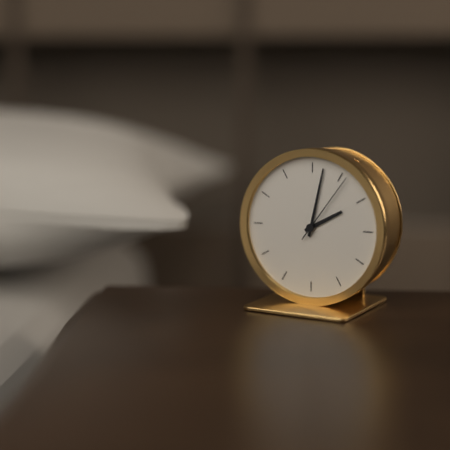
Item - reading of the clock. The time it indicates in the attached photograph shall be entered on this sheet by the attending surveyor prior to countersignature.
2:02:06
